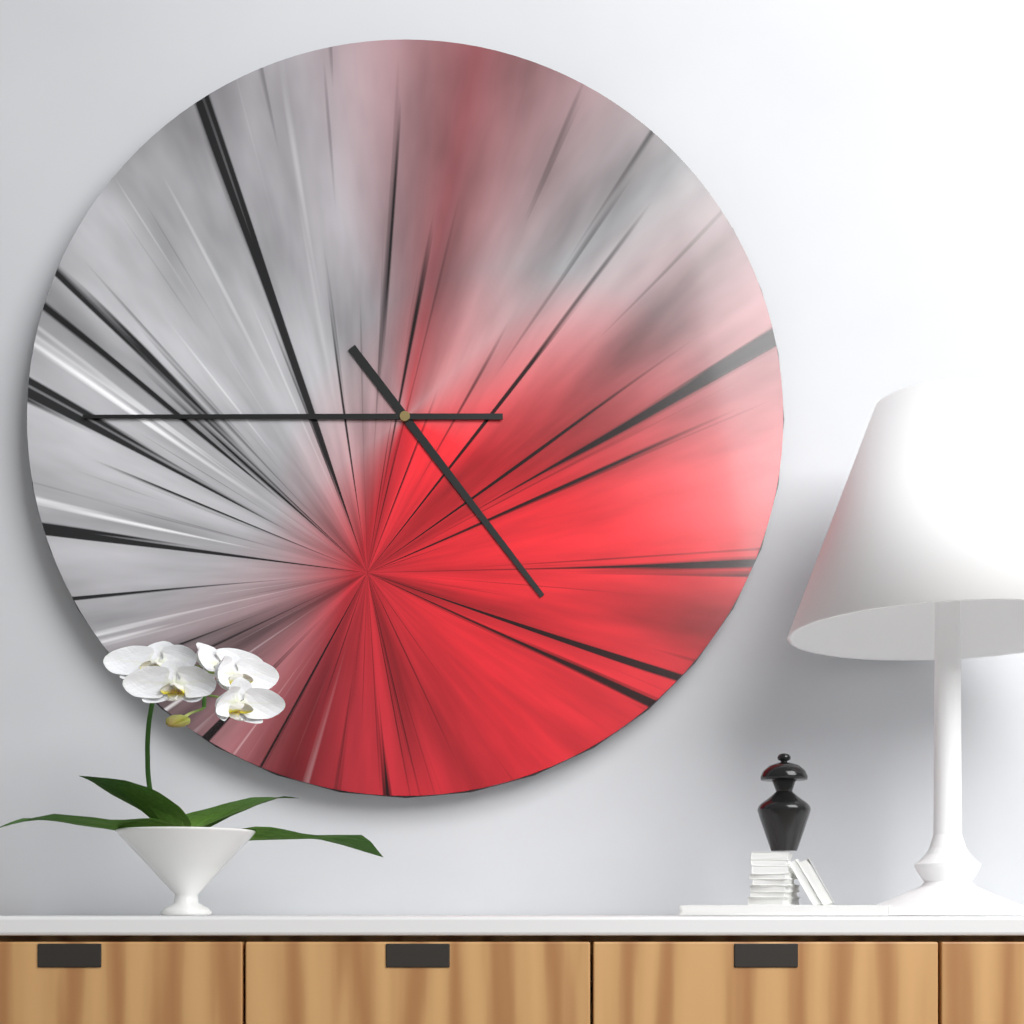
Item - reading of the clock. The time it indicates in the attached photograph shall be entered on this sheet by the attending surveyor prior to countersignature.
4:45
